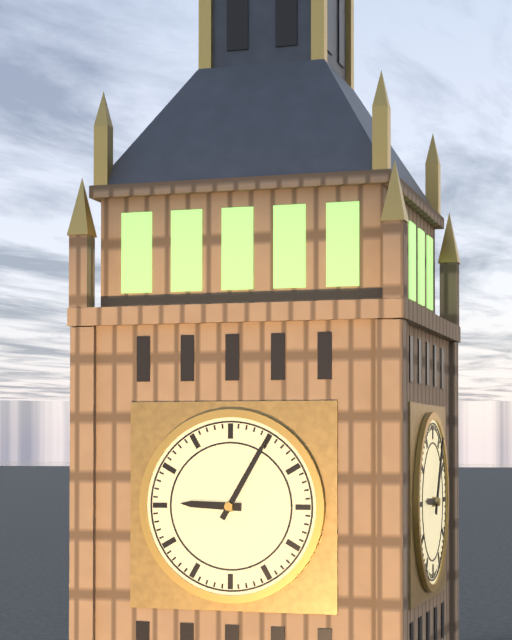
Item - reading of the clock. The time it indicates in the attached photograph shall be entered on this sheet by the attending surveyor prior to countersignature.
9:05
